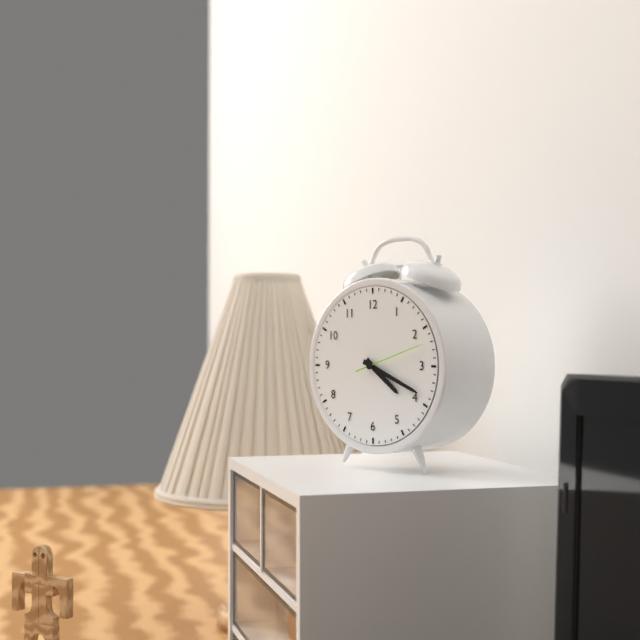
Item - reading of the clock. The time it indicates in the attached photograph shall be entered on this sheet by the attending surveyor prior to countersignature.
4:19:12
